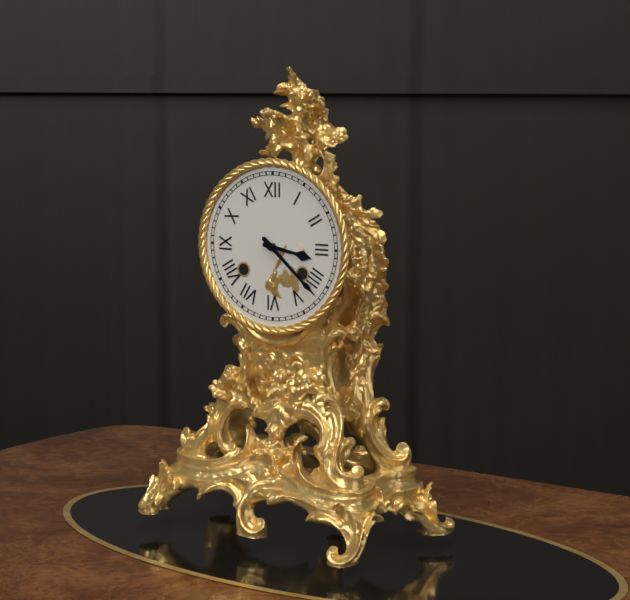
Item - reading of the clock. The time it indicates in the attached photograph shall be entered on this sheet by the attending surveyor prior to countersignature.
3:22
